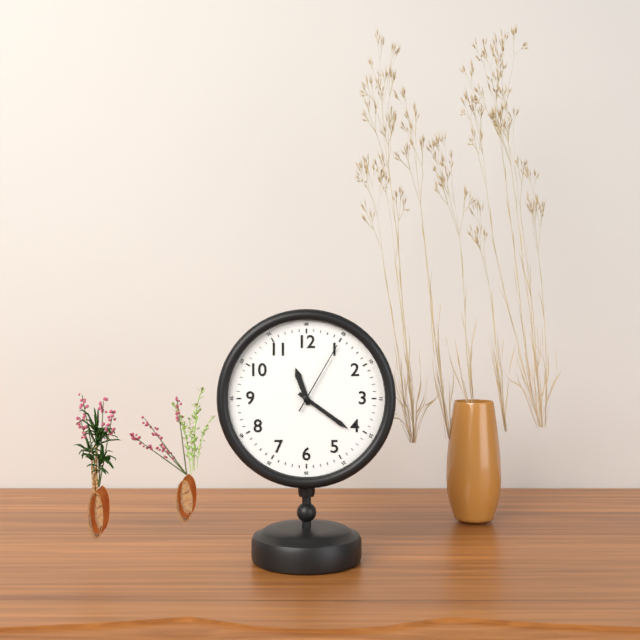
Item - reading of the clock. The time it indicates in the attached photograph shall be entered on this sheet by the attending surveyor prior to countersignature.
11:21:05
